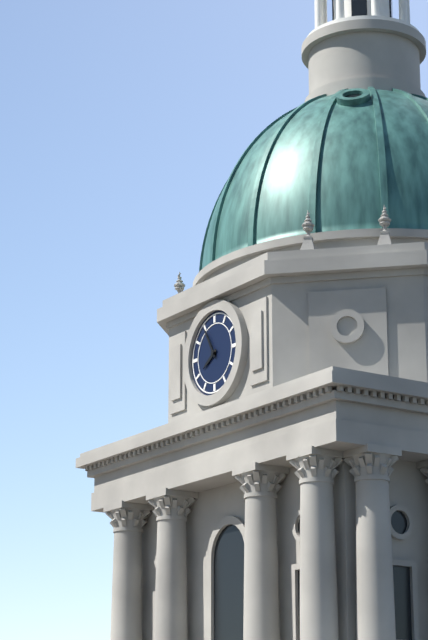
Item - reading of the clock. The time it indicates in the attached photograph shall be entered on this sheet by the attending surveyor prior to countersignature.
7:55
